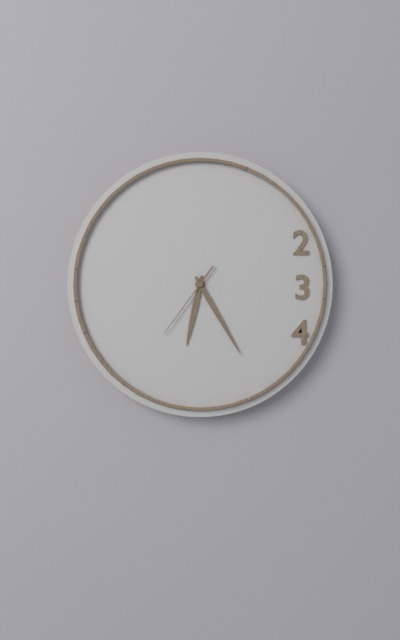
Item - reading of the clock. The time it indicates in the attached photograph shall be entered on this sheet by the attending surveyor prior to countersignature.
6:25:36
